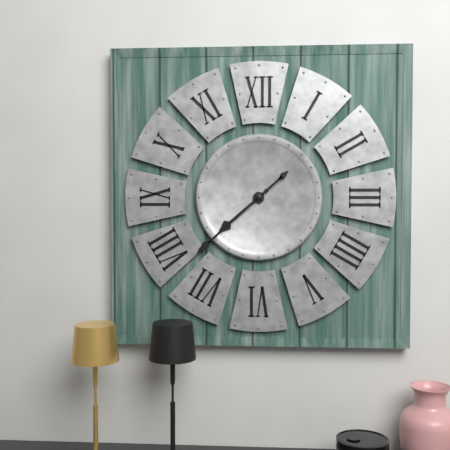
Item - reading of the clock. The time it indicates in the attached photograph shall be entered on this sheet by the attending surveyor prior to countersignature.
7:38
